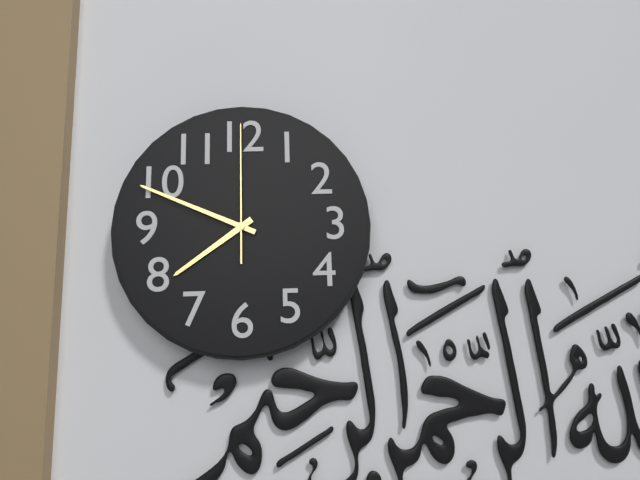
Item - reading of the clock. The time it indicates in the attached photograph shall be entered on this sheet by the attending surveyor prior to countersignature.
7:49:00
